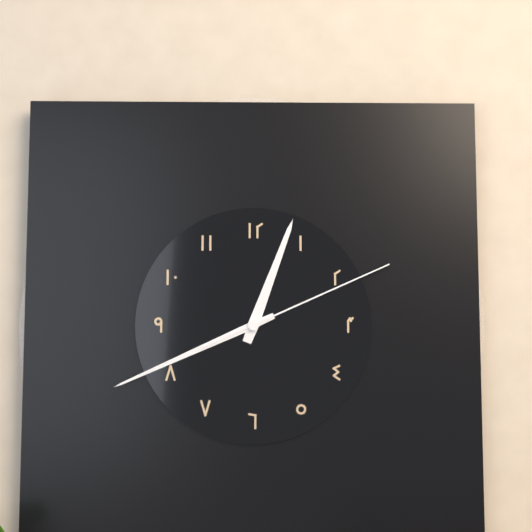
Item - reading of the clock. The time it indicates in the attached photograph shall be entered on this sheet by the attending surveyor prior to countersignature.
12:41:11
